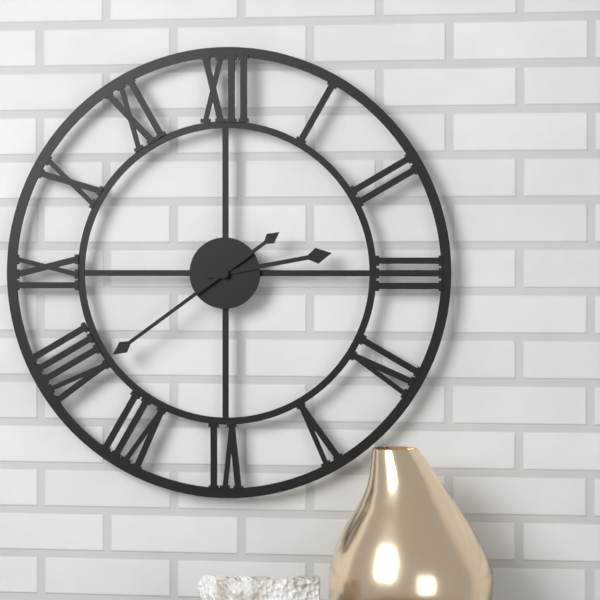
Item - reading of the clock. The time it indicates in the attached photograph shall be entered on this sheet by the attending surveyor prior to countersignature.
2:39
